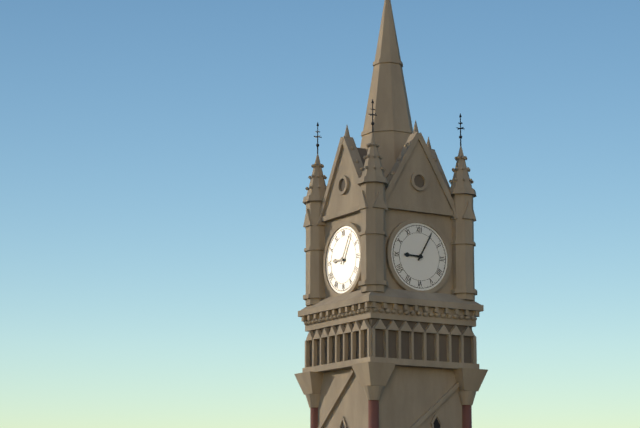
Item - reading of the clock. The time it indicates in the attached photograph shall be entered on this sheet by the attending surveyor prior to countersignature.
9:05
